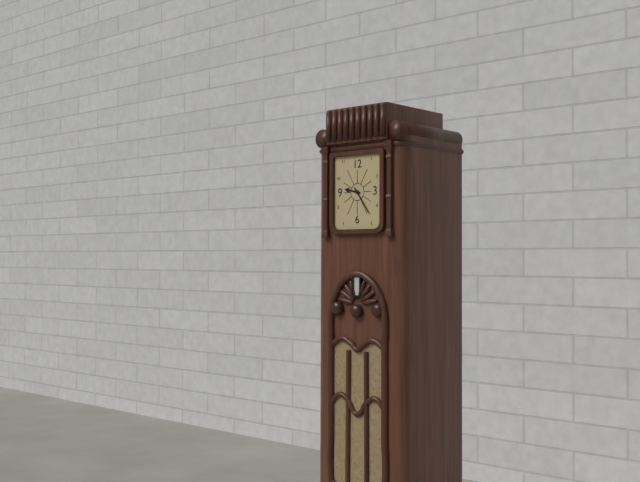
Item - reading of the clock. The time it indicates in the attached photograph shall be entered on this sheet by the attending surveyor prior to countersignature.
9:24
